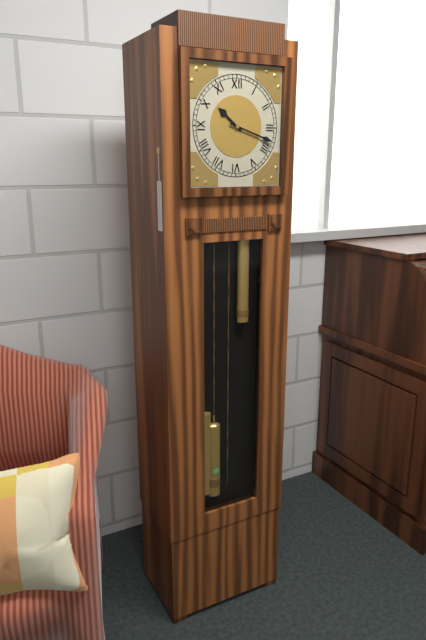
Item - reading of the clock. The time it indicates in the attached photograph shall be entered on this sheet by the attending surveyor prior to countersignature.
10:18
